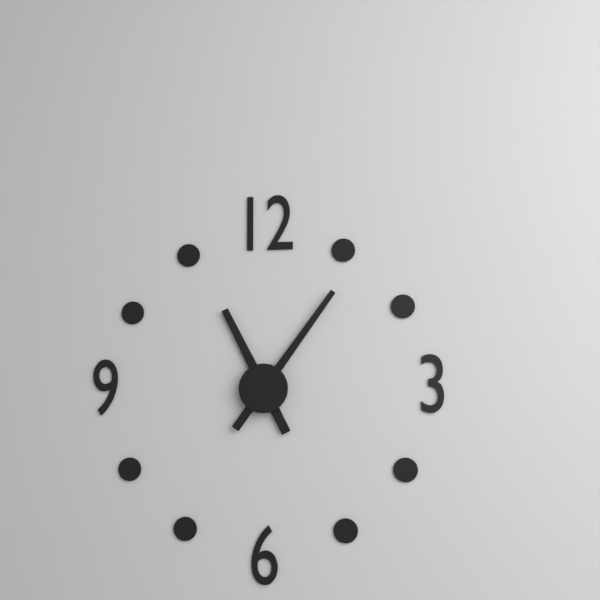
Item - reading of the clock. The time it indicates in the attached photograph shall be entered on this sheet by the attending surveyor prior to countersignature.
11:06
